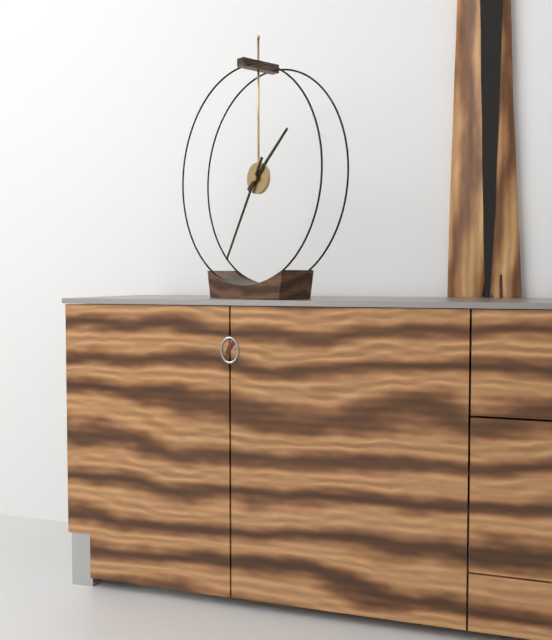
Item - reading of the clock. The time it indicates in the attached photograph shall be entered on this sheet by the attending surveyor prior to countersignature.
1:35
